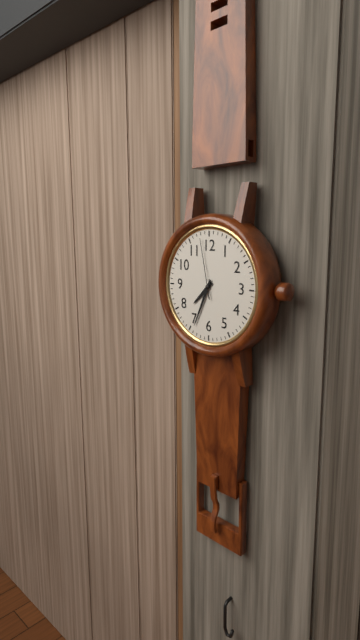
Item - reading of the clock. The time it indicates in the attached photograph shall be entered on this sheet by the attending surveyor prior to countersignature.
7:34:58
